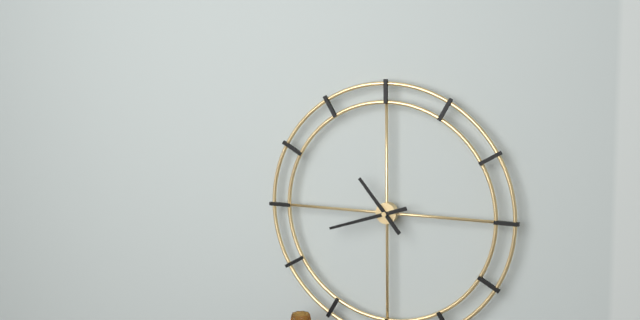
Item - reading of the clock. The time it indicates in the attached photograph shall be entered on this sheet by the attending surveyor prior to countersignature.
10:42
